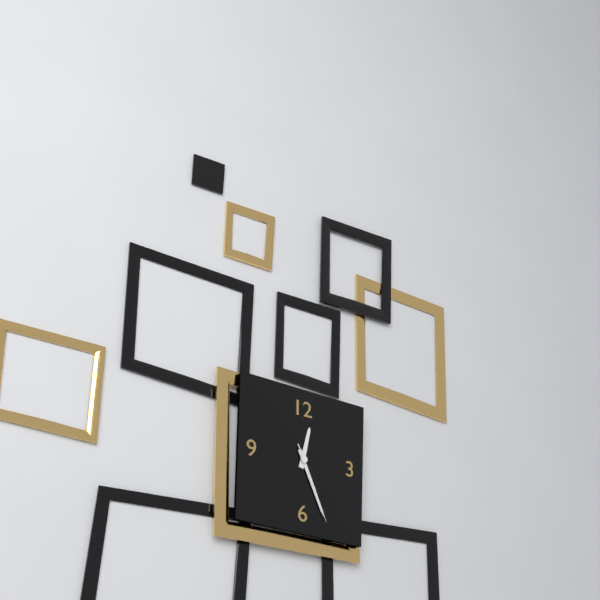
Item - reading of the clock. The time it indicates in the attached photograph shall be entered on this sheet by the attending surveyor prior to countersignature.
12:26:26
